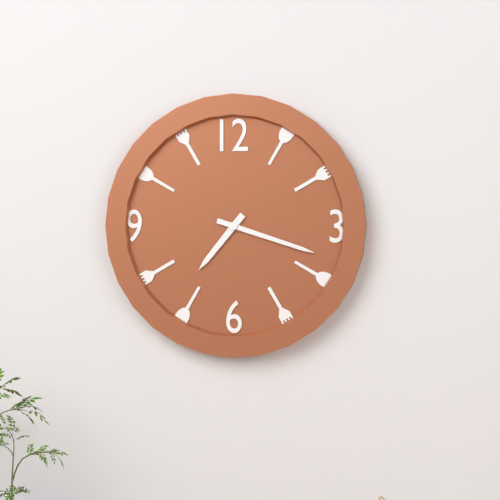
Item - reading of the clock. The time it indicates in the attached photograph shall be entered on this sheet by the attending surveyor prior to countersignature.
7:18
